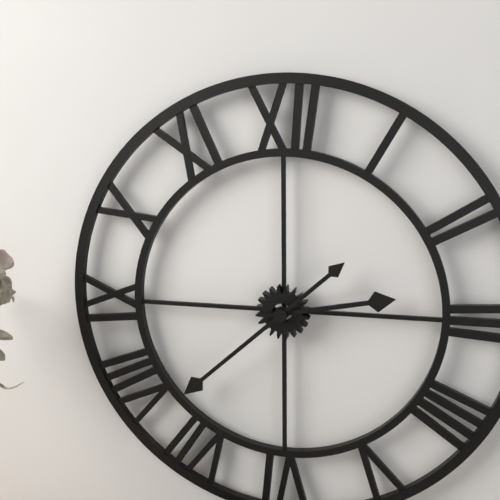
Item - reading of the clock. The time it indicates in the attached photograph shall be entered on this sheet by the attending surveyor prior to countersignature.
2:38
